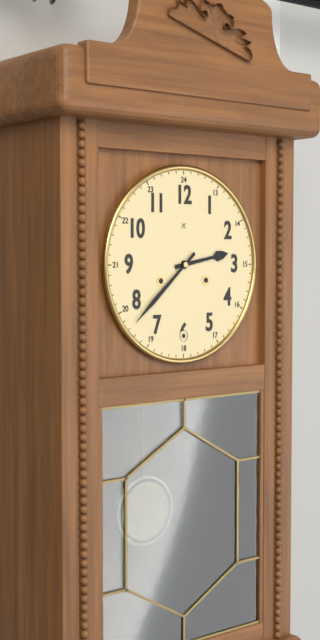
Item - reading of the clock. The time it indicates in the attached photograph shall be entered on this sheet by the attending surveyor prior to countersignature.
2:38
